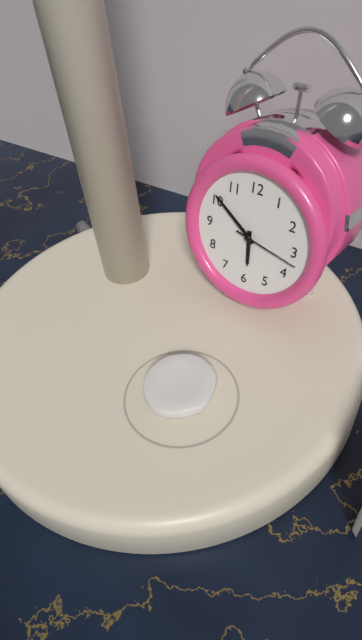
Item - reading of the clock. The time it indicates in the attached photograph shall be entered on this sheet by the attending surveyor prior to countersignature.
5:51:17
